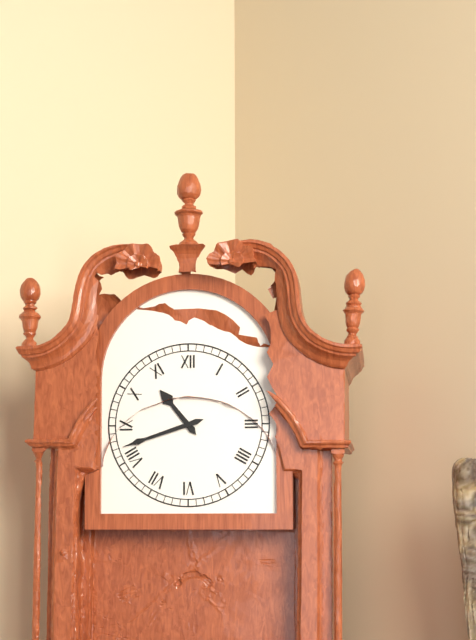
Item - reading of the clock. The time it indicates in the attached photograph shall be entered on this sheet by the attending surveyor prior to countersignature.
10:42
